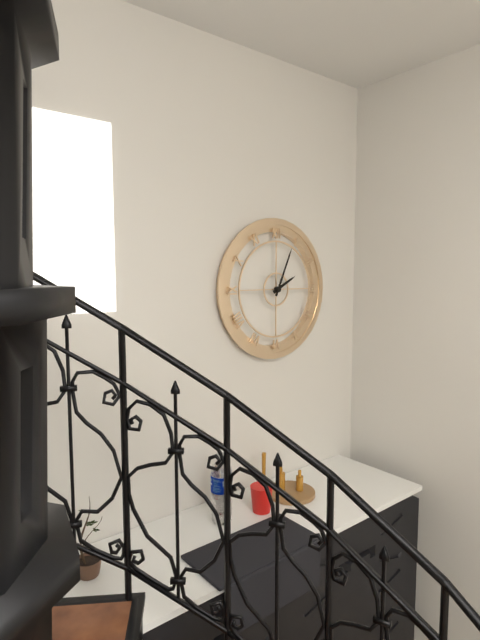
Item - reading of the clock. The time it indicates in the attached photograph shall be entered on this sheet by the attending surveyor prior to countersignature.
2:04
